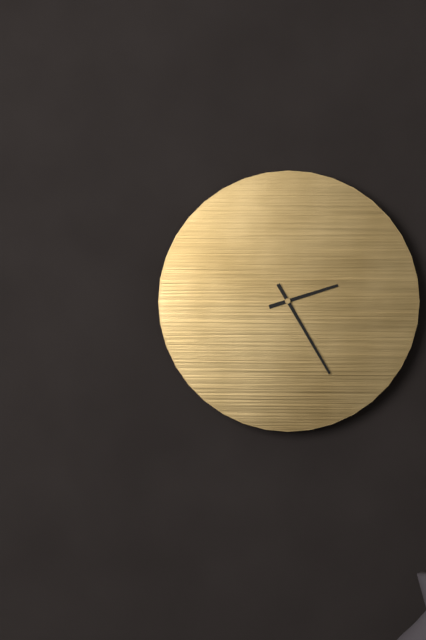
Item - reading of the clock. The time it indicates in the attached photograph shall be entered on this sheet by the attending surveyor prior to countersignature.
2:25
